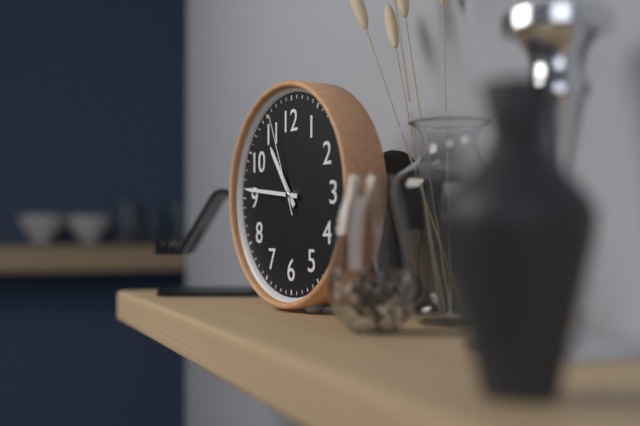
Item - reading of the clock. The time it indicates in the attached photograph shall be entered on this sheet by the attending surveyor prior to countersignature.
10:46:56
